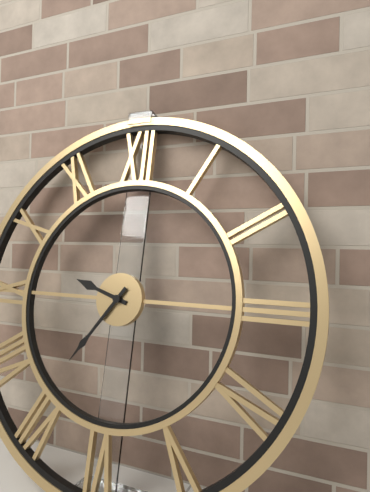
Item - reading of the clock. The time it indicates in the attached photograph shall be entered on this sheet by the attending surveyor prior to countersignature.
9:36
